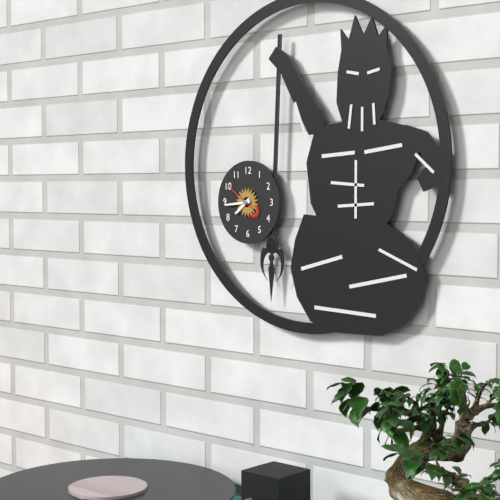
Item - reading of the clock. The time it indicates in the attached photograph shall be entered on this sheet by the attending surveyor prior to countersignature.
7:44
